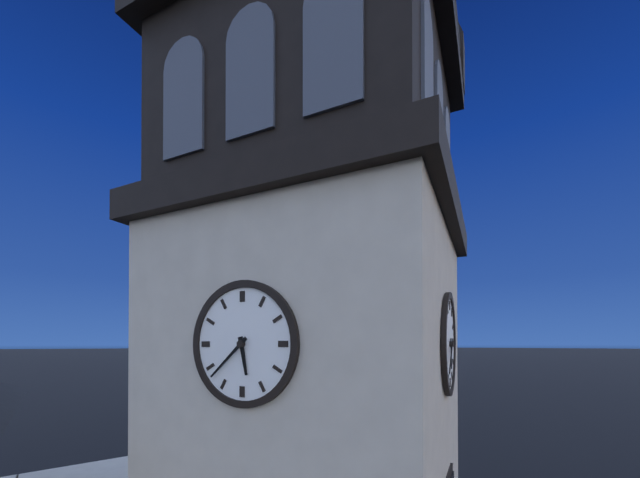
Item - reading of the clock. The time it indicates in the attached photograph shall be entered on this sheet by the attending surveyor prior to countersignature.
5:38
